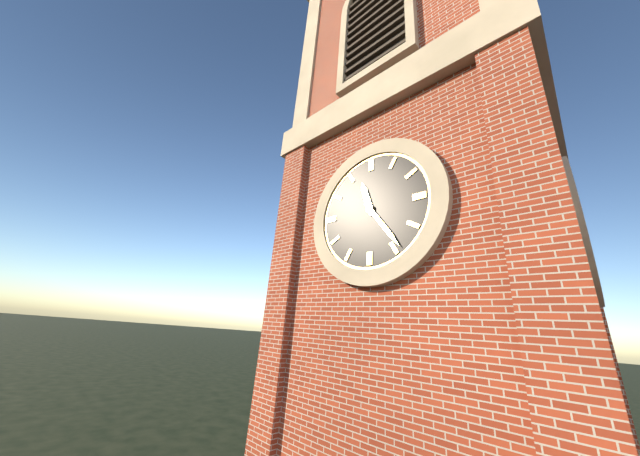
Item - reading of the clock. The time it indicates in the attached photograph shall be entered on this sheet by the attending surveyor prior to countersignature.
11:24
